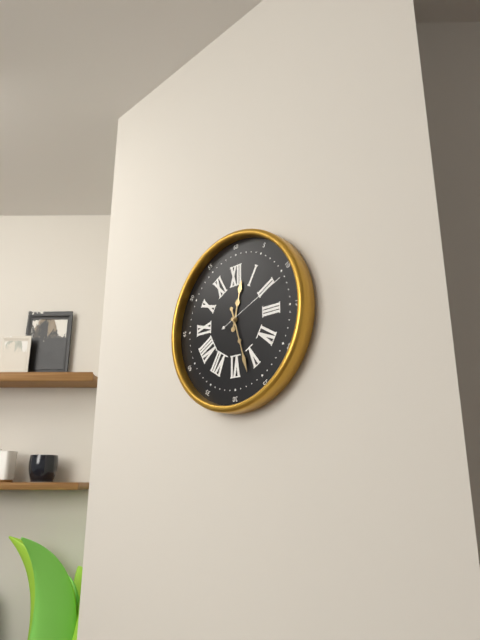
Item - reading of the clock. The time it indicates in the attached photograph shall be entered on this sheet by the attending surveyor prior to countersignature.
12:27:11
